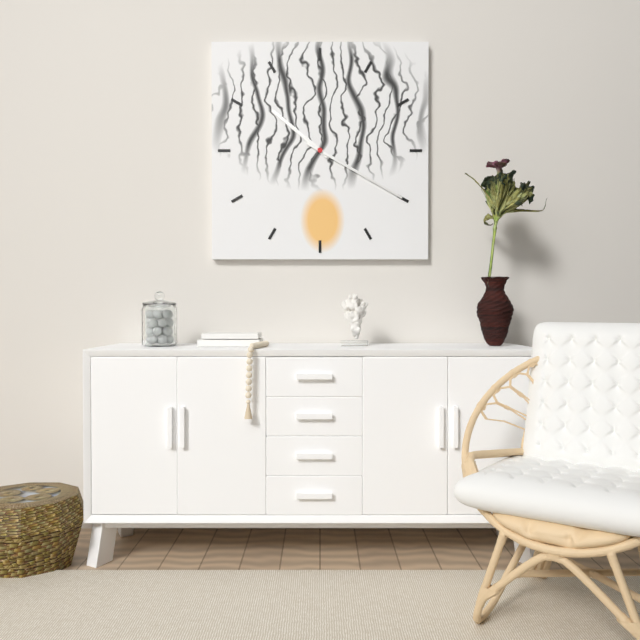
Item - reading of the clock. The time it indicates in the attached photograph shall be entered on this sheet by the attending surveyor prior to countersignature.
10:20
